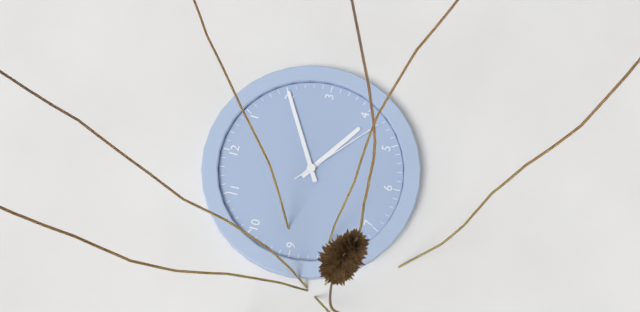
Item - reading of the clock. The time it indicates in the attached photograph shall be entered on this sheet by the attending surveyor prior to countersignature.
4:10:22
